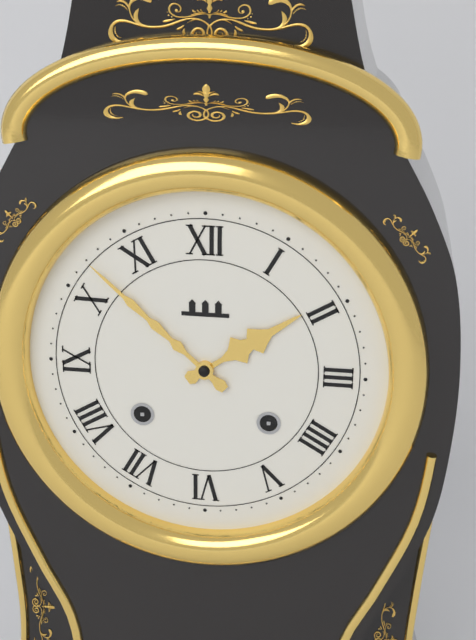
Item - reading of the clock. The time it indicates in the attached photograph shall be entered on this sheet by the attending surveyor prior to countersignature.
1:52
